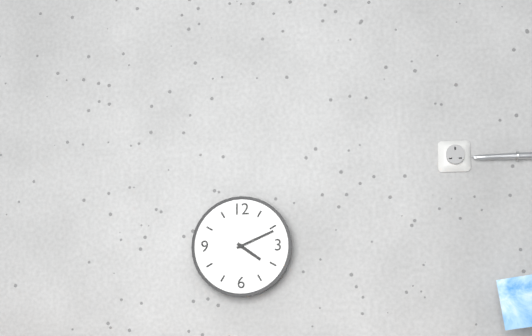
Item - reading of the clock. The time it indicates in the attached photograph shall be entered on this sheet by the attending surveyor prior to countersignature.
4:11
